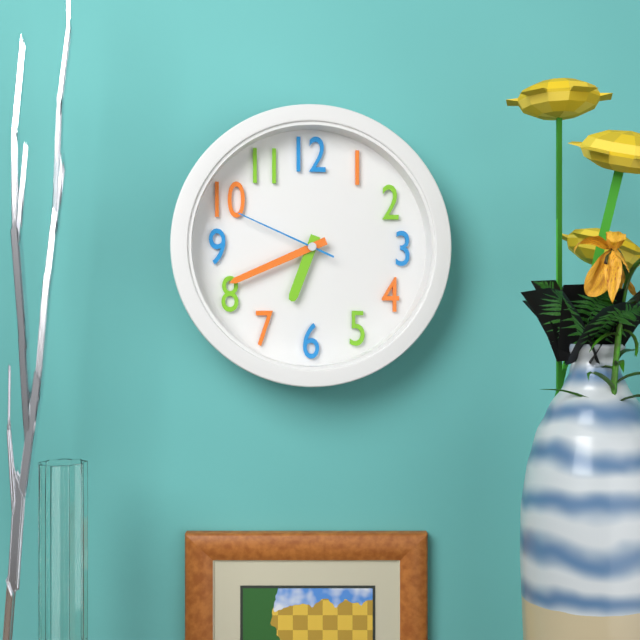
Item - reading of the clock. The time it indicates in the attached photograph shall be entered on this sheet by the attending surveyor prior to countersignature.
6:41:49
